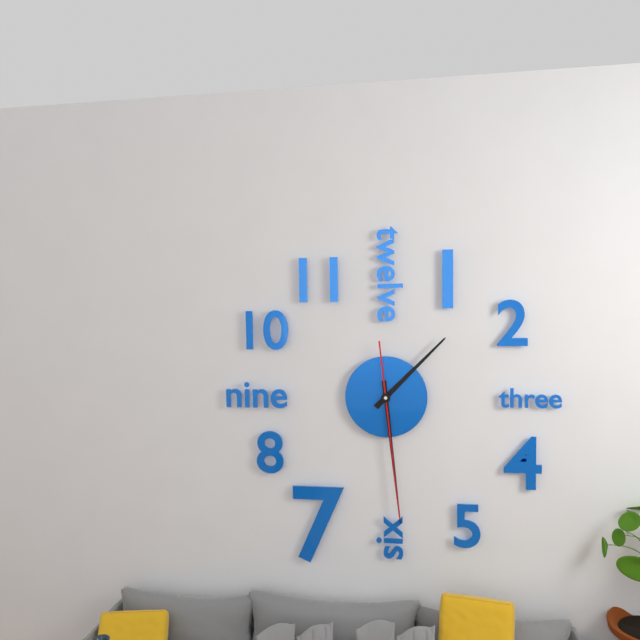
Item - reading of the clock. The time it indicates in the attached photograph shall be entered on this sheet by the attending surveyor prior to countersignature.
1:29:29
